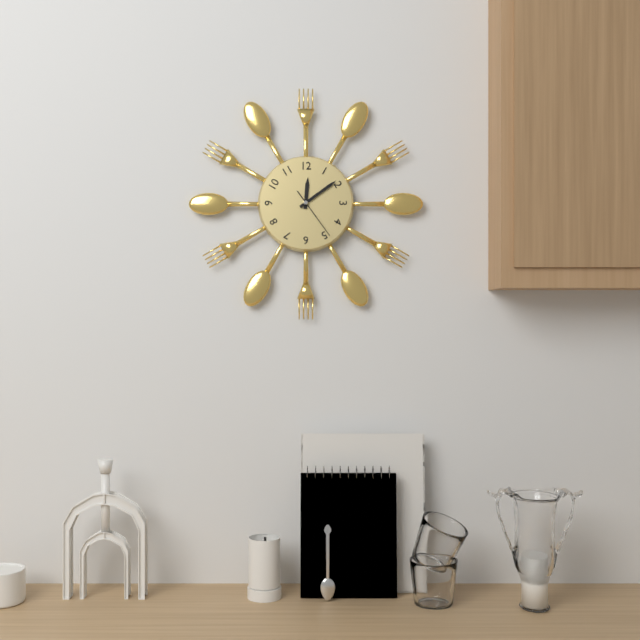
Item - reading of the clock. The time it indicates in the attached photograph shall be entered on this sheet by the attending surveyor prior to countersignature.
12:09:24
